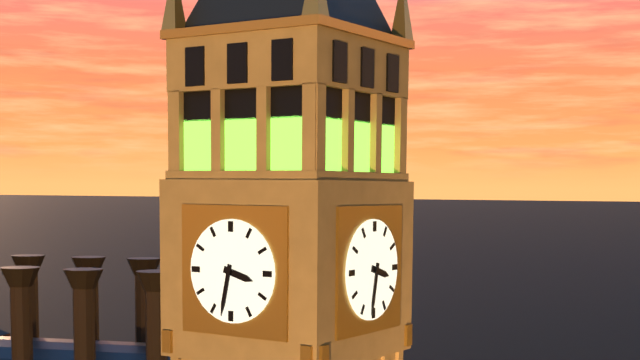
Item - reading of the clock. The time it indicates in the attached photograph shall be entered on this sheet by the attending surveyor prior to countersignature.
3:32
